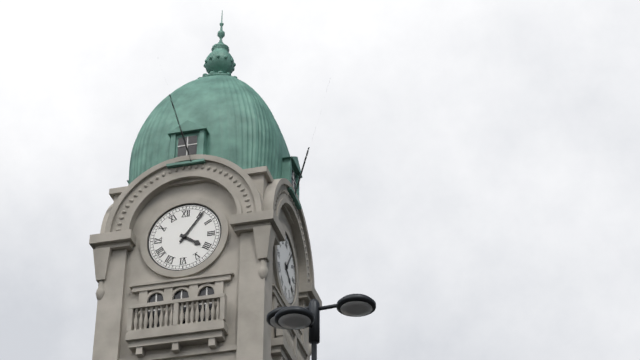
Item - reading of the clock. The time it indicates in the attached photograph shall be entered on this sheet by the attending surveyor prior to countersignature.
4:06
